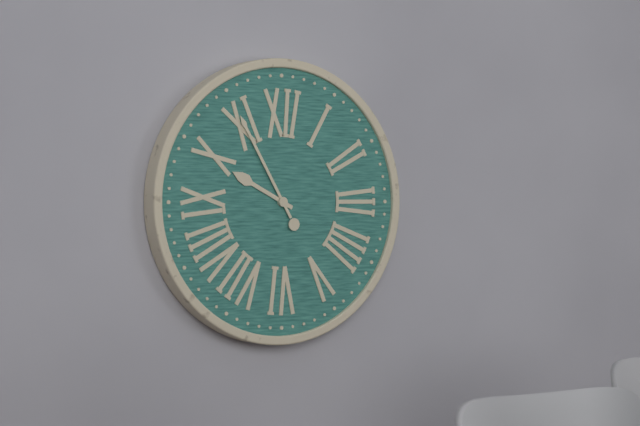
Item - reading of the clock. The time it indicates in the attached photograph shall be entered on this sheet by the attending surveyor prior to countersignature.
9:55
